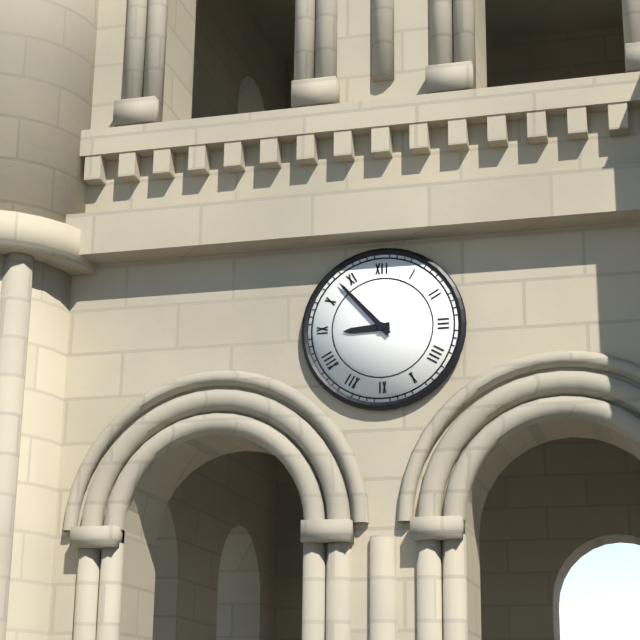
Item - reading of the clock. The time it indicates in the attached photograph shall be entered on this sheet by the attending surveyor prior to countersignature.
8:53
